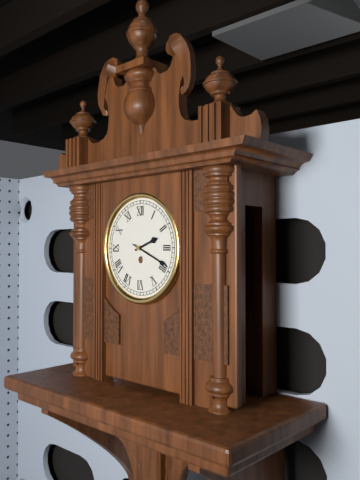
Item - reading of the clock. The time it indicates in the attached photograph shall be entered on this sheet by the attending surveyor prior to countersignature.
2:19
